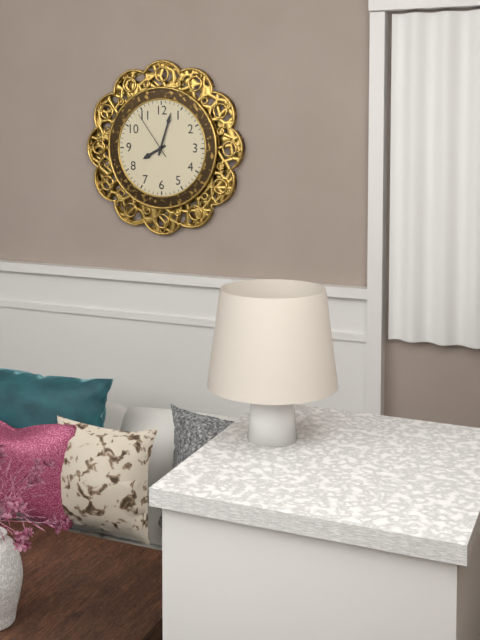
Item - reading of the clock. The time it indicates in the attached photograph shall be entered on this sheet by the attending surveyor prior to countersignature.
8:03:54
